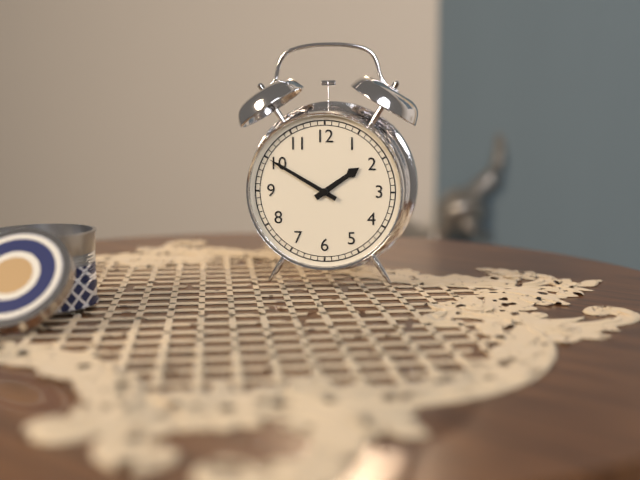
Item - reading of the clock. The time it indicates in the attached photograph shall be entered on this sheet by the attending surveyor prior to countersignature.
1:50
